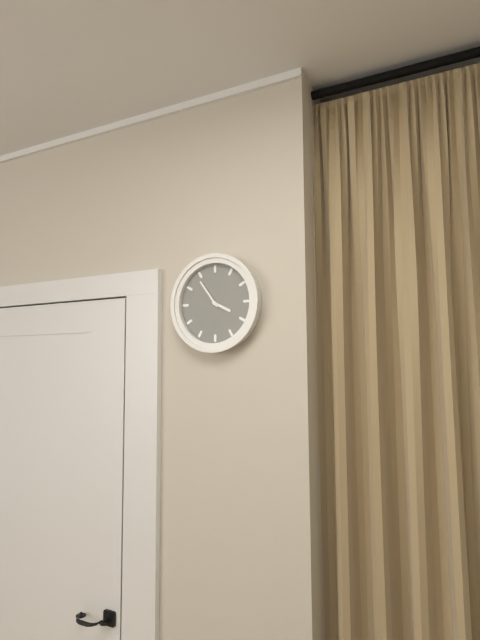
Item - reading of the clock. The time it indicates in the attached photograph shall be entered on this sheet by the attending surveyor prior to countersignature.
3:54
